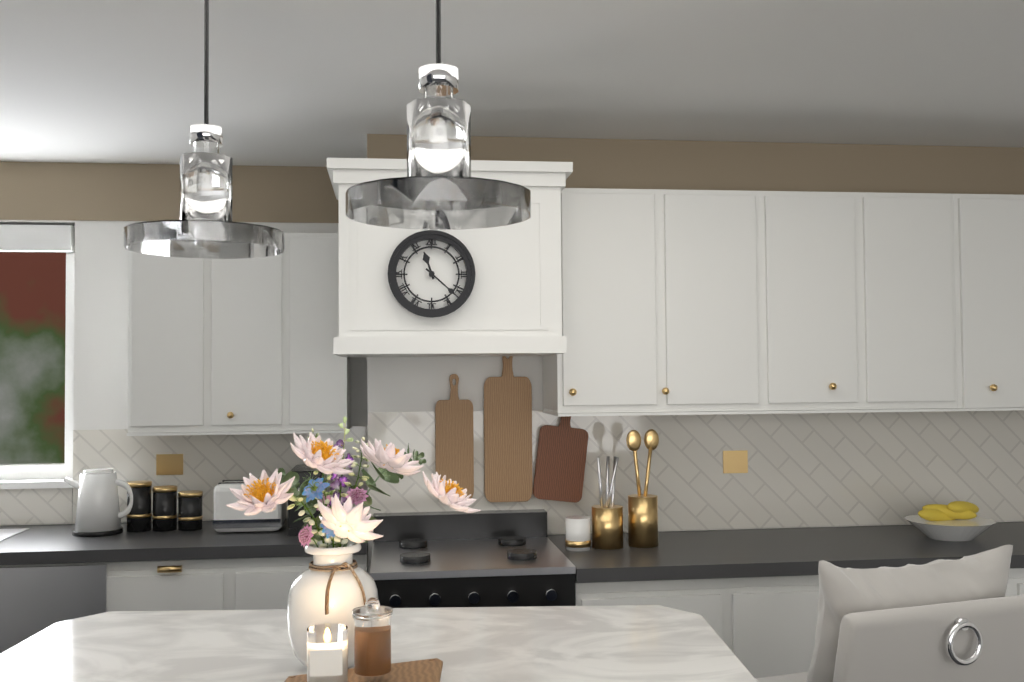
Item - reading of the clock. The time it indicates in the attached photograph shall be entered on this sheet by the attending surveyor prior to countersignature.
11:22
